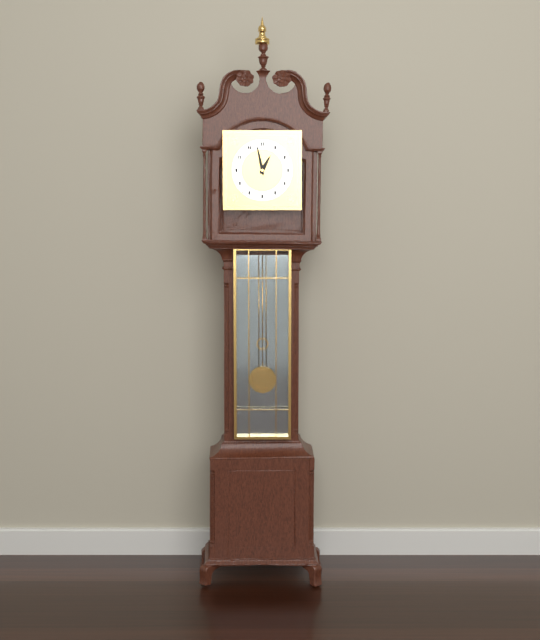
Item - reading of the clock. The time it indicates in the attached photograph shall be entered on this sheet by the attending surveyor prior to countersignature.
12:58
